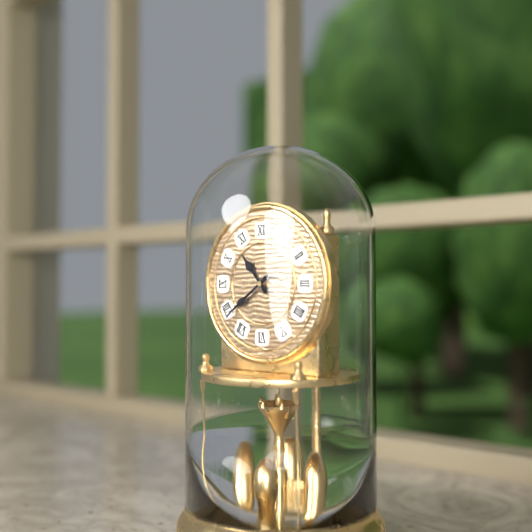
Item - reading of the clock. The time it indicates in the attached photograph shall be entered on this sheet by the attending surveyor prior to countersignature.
10:39
